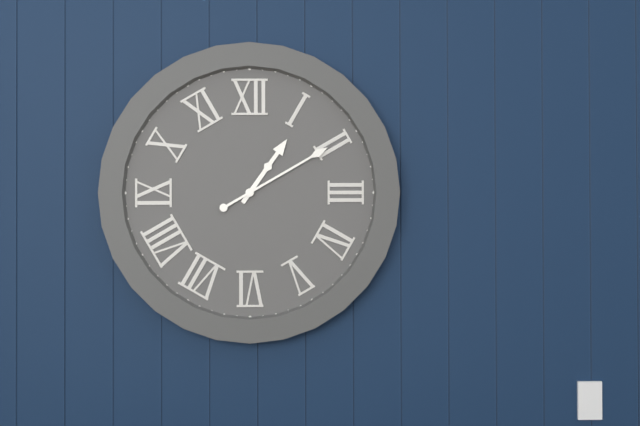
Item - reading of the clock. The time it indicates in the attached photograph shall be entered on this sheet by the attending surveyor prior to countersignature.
1:10
